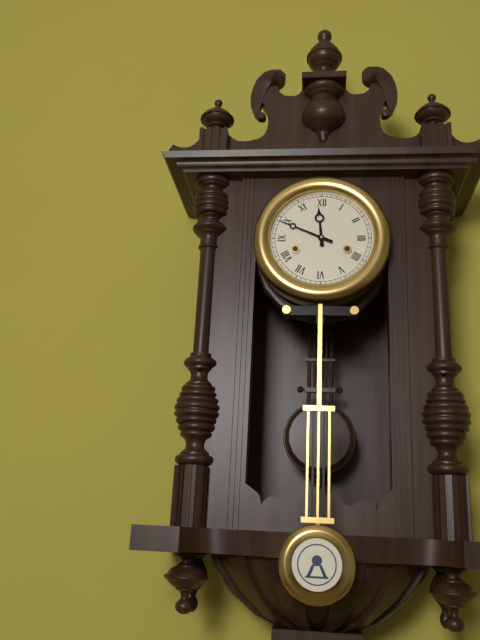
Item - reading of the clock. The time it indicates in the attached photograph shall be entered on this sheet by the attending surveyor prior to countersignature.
11:49
